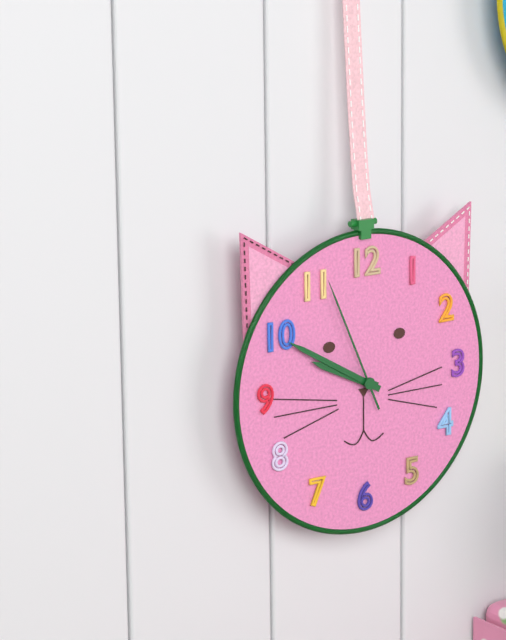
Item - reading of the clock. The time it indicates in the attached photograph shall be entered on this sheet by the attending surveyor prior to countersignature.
9:50:56
